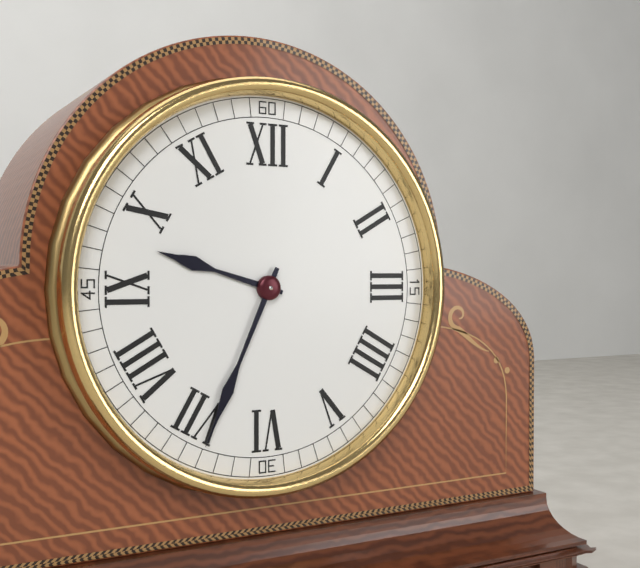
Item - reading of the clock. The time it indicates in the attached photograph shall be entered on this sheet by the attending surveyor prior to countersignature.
9:34
